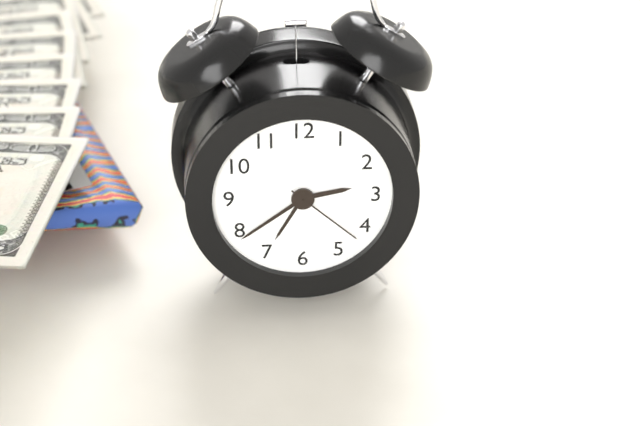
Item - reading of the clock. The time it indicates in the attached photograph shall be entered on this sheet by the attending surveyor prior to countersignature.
2:39:22
